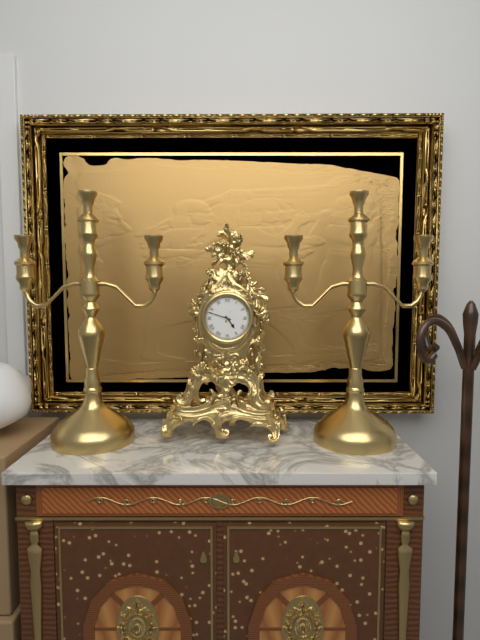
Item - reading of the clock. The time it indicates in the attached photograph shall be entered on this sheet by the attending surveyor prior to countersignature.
4:48
